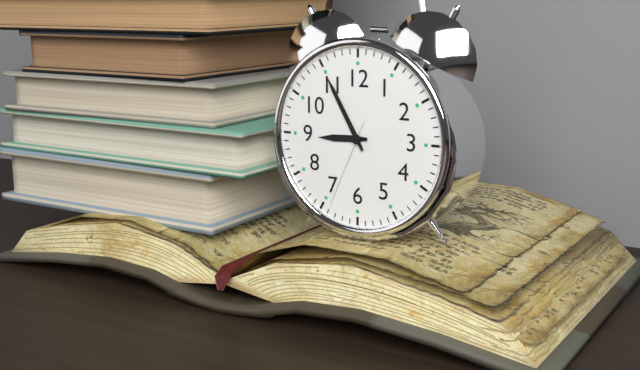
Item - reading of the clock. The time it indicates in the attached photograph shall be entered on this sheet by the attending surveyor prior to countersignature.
8:55:34
